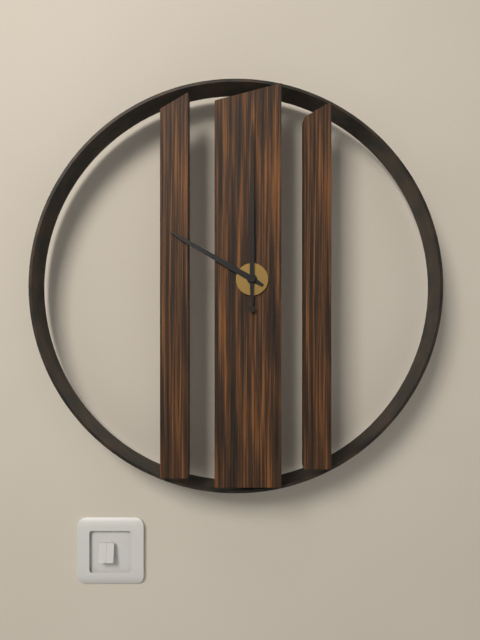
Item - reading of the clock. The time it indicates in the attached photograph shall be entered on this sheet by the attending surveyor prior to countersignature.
10:00
